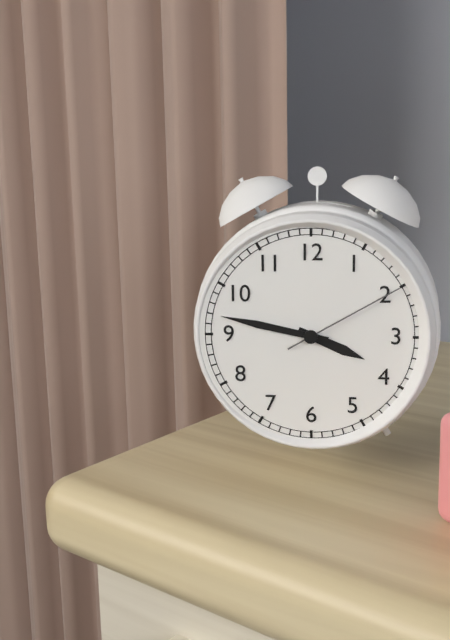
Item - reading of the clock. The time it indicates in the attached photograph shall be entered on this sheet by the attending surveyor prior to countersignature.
3:47:10
